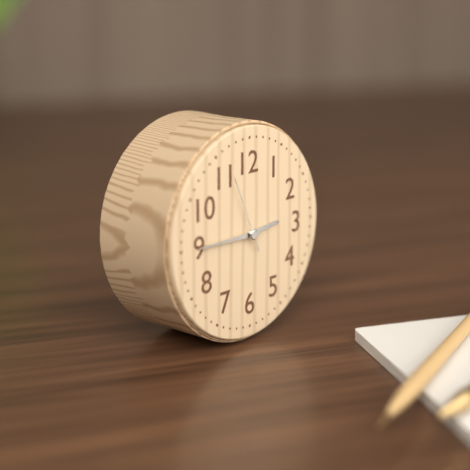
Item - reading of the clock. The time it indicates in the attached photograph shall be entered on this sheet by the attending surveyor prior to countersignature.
2:45:56
